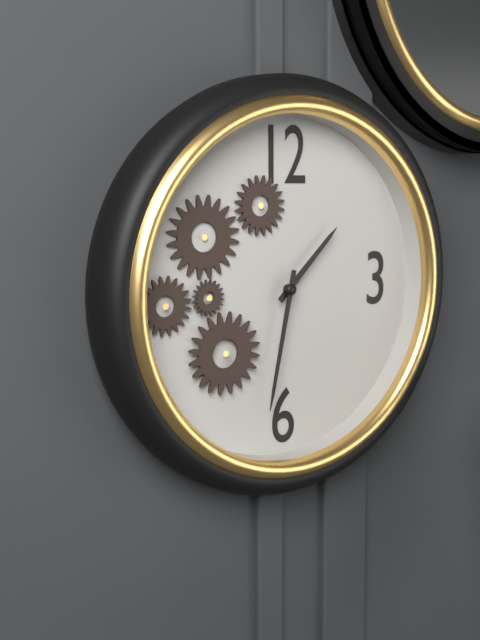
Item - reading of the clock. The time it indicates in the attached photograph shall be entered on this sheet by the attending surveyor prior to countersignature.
1:32
